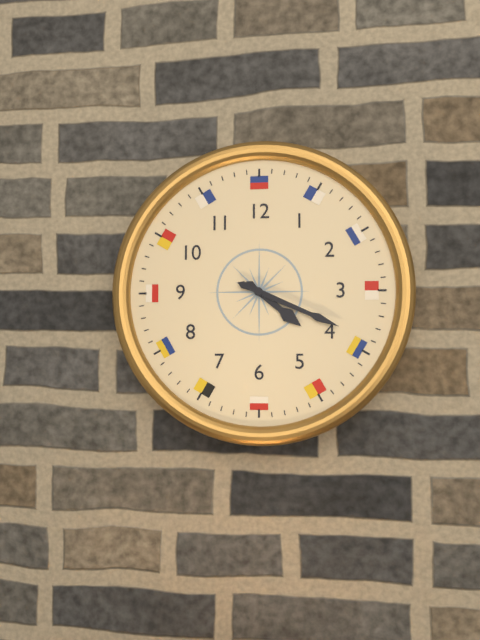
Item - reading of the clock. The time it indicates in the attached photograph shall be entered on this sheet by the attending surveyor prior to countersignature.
4:19
